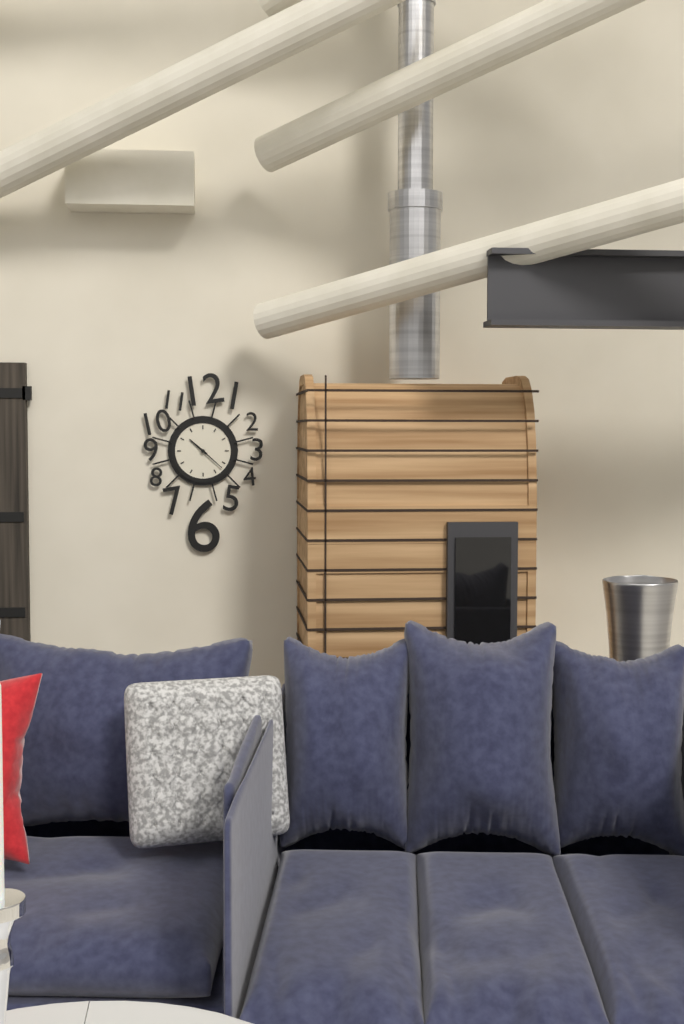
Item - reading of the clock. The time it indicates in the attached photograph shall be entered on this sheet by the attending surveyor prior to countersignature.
10:22
